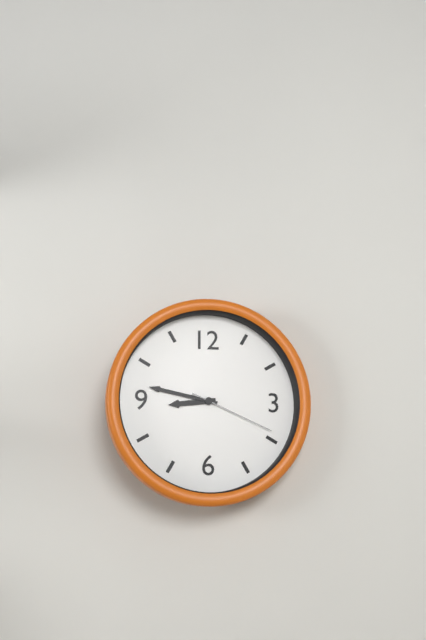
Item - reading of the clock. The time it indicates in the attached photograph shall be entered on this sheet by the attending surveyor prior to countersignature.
8:47:19
